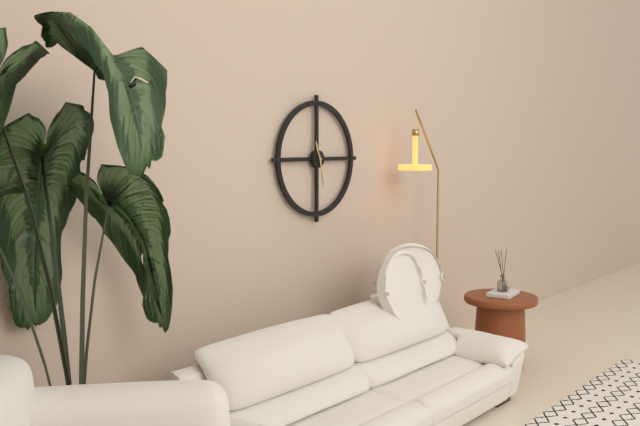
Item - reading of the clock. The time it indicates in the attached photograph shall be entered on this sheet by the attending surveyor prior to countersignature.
11:28
